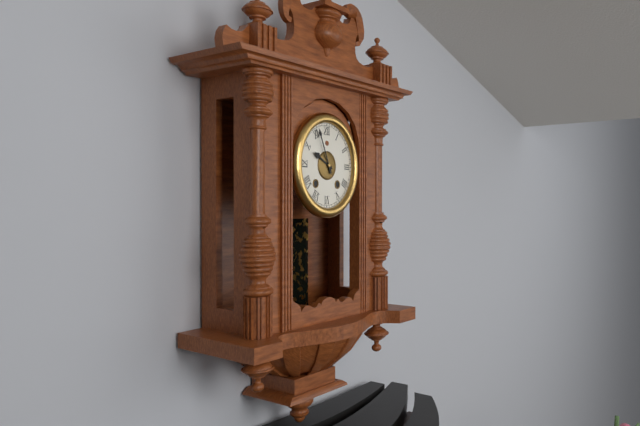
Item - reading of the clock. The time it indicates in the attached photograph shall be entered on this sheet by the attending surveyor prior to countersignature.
9:56
